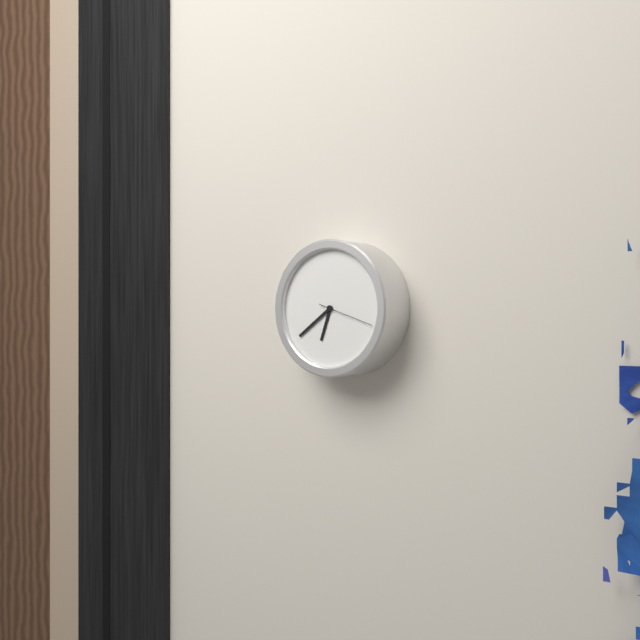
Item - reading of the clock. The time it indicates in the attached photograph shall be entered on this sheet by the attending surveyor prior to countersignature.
6:39
